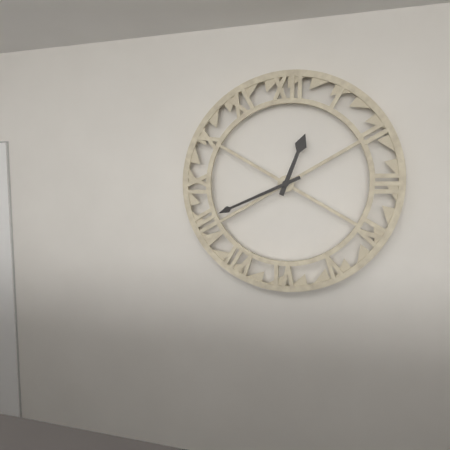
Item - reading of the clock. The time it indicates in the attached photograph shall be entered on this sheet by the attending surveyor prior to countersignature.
12:41
